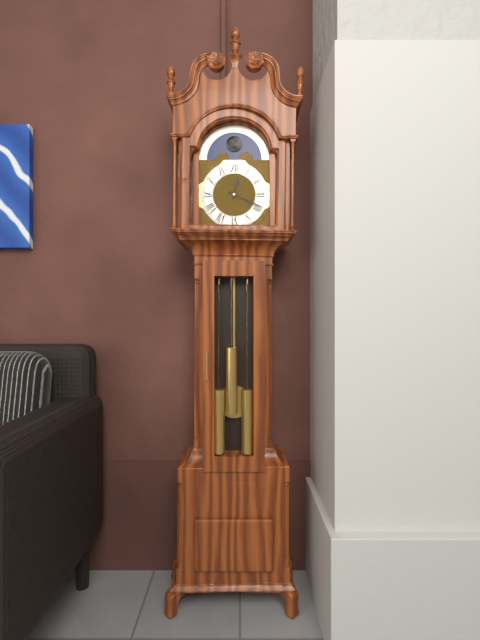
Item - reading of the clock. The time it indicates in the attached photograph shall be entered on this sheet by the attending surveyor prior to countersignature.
12:19
